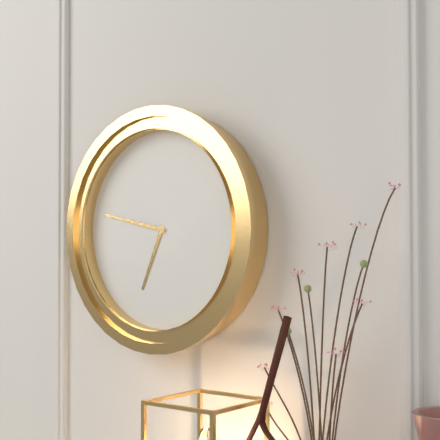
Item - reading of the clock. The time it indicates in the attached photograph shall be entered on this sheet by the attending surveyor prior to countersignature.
6:47
